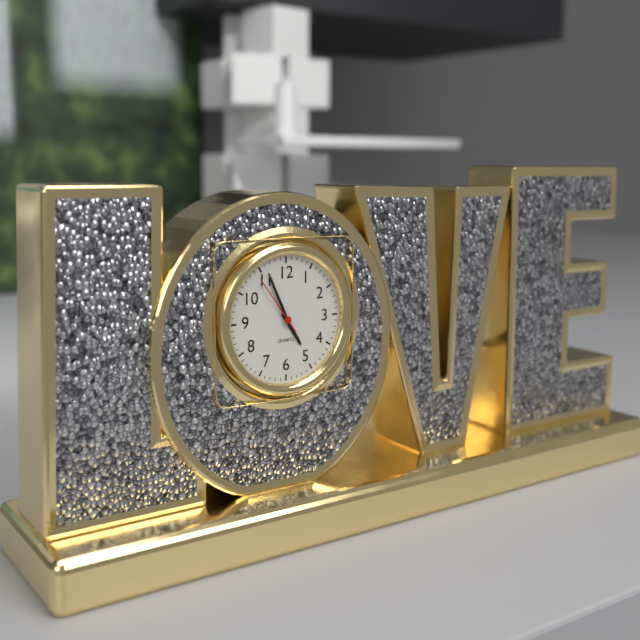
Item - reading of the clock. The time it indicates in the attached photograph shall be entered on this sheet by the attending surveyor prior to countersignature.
4:56:54
